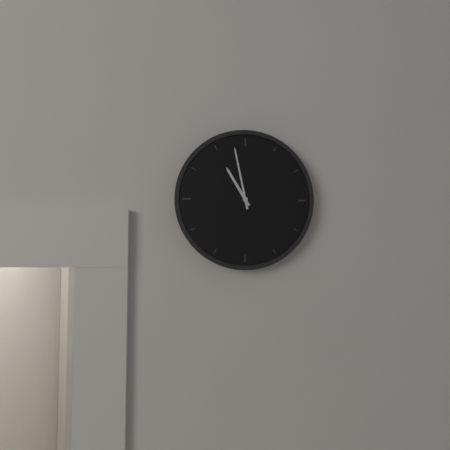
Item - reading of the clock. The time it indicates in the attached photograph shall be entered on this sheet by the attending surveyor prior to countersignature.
10:58
